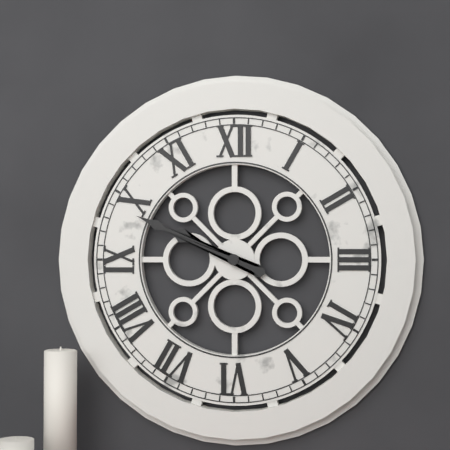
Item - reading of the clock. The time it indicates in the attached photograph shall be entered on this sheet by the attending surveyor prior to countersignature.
9:49
